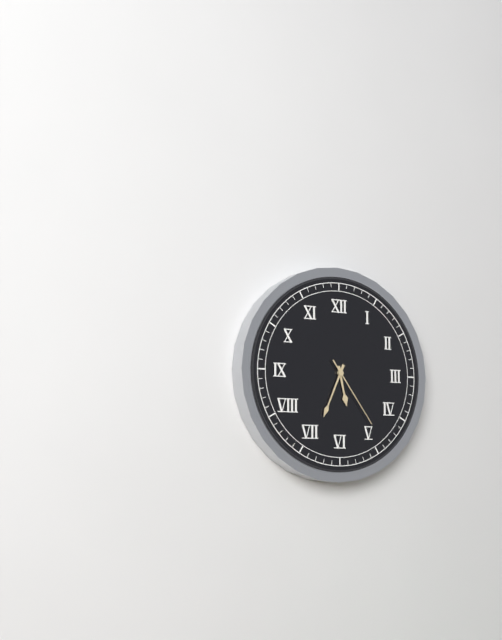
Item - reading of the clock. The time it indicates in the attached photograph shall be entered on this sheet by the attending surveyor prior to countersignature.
5:34:24
